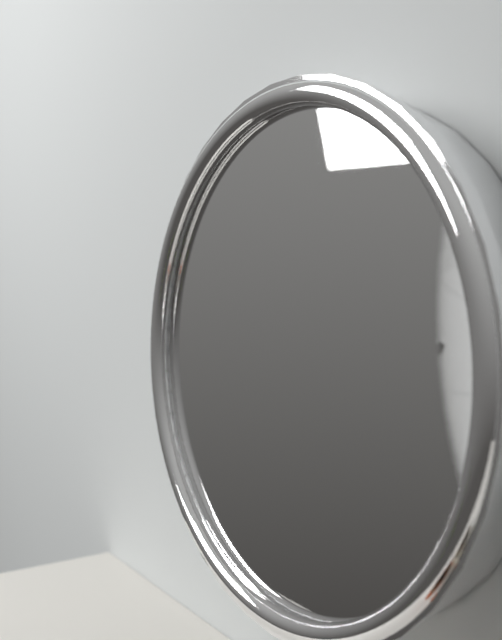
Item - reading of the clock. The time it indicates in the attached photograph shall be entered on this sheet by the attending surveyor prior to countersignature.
4:34
